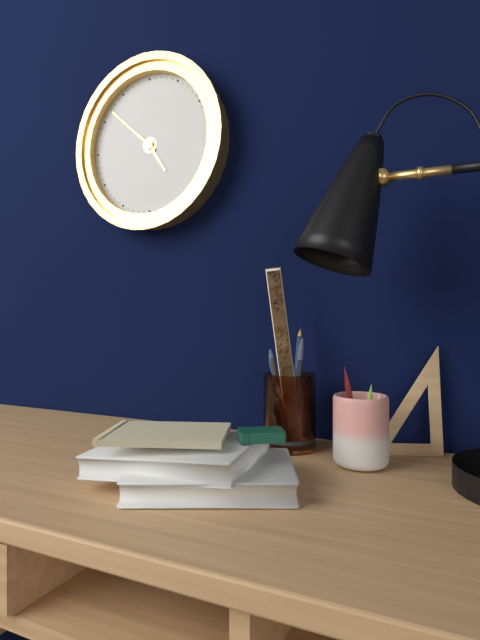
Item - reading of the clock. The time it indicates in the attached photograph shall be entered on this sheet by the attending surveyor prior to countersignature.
4:52
